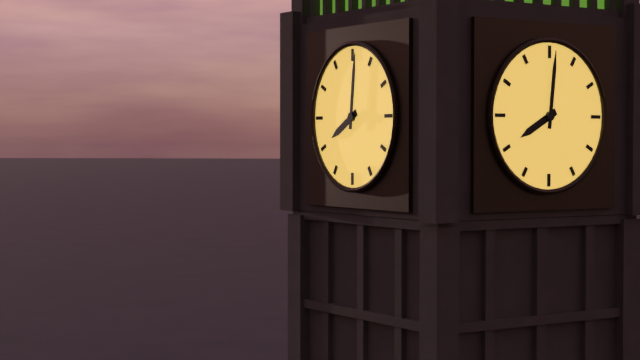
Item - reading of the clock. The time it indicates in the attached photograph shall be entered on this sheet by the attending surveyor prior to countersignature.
8:01
